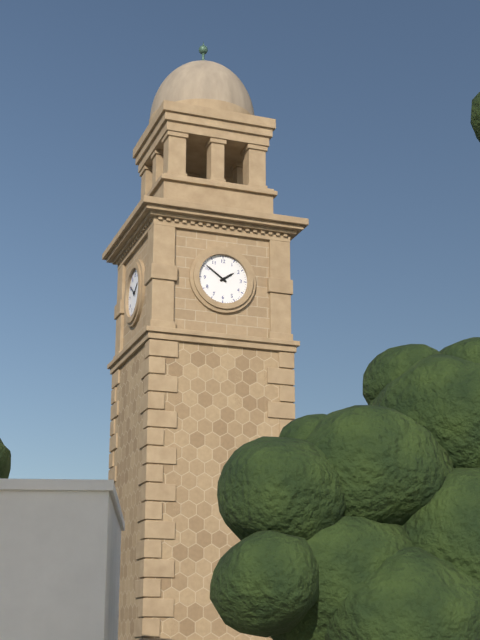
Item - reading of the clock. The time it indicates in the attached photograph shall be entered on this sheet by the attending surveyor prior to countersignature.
1:51
